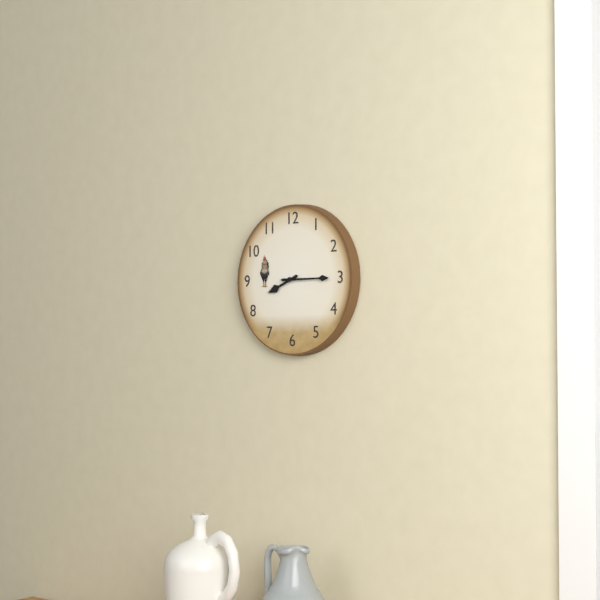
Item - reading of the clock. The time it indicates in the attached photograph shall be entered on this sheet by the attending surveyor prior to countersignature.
8:15
